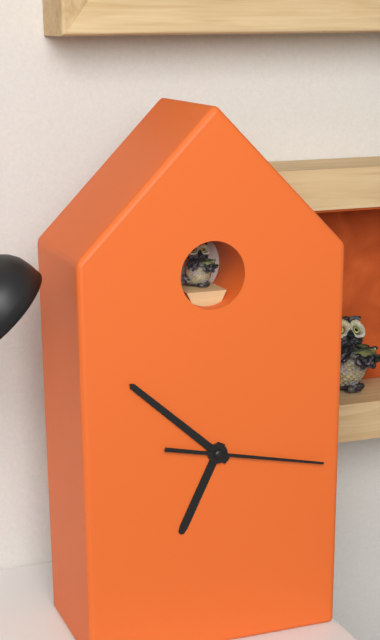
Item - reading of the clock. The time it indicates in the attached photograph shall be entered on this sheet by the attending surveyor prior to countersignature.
6:52:17
